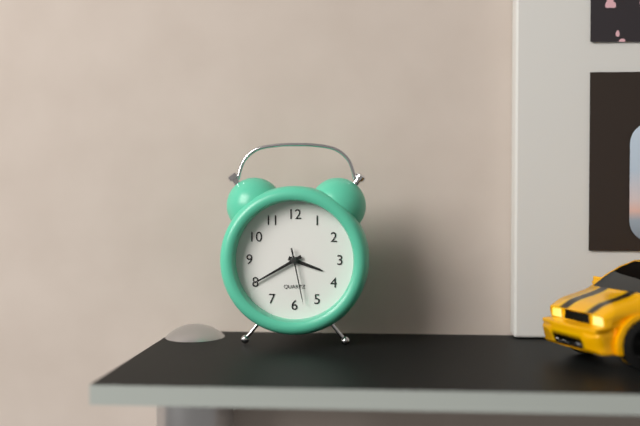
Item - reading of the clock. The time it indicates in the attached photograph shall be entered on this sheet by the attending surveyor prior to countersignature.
3:40:28
